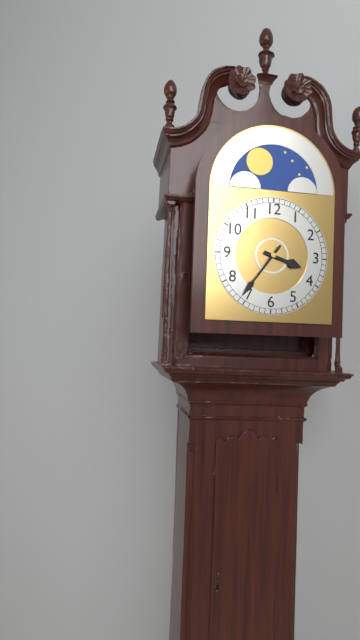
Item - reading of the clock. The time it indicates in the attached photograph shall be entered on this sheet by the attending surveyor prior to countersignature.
3:36
